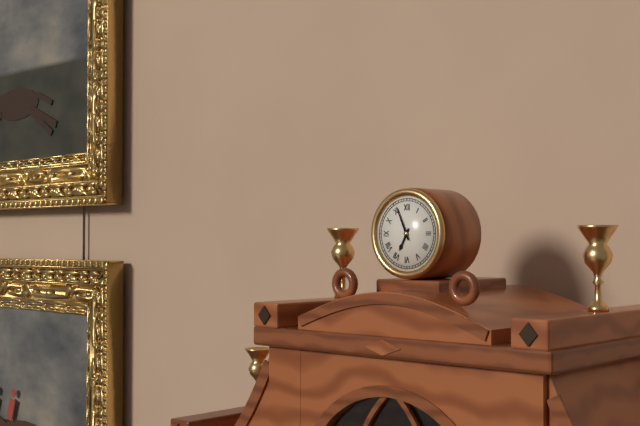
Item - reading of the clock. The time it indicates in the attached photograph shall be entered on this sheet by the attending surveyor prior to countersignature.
6:56
